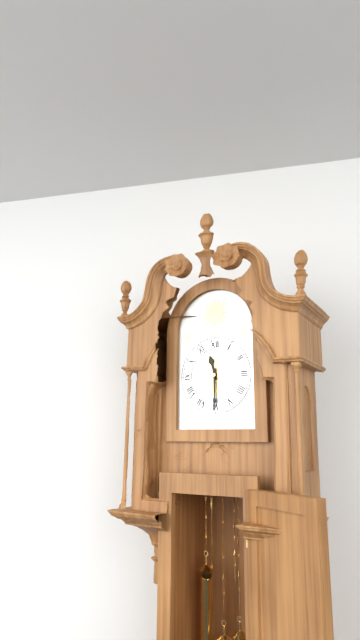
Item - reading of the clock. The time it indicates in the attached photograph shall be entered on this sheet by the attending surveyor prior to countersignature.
11:30
